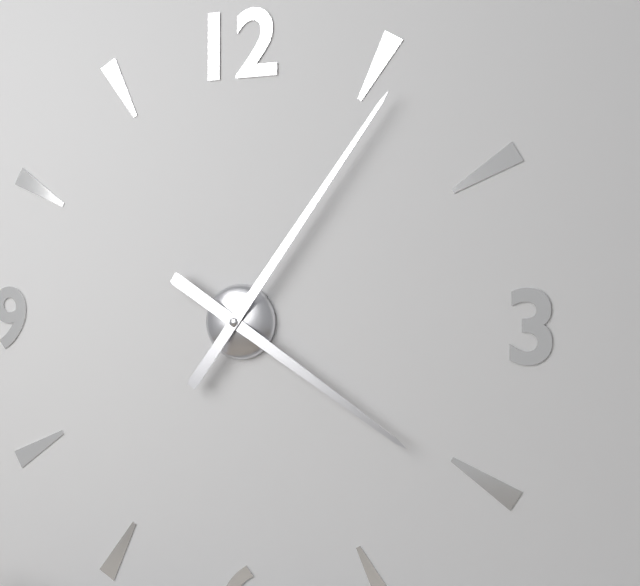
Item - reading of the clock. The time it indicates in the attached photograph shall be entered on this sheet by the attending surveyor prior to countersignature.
4:06
